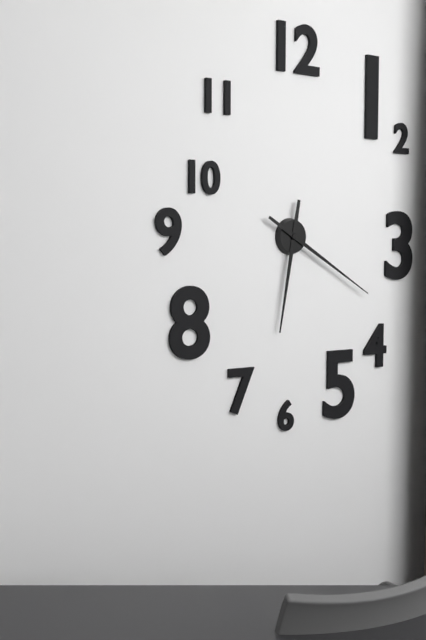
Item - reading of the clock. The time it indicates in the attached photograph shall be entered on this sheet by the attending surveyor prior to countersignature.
6:20
